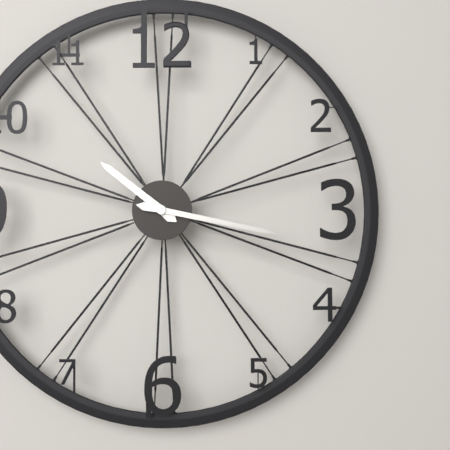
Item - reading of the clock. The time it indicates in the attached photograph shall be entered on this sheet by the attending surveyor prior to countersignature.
10:17
